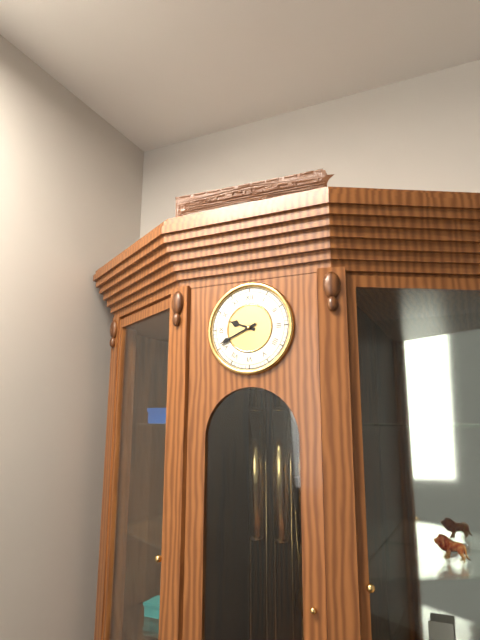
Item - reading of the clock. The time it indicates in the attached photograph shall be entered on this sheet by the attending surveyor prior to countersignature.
9:41
